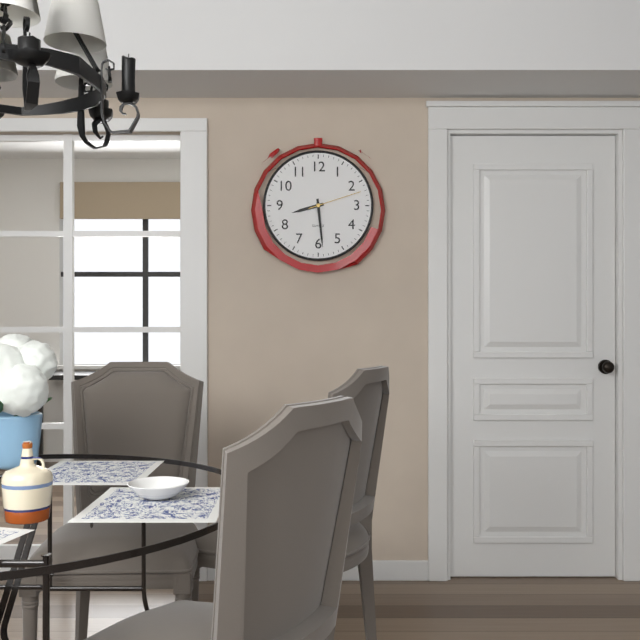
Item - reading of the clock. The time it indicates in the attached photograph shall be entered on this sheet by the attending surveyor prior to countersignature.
8:29:12
